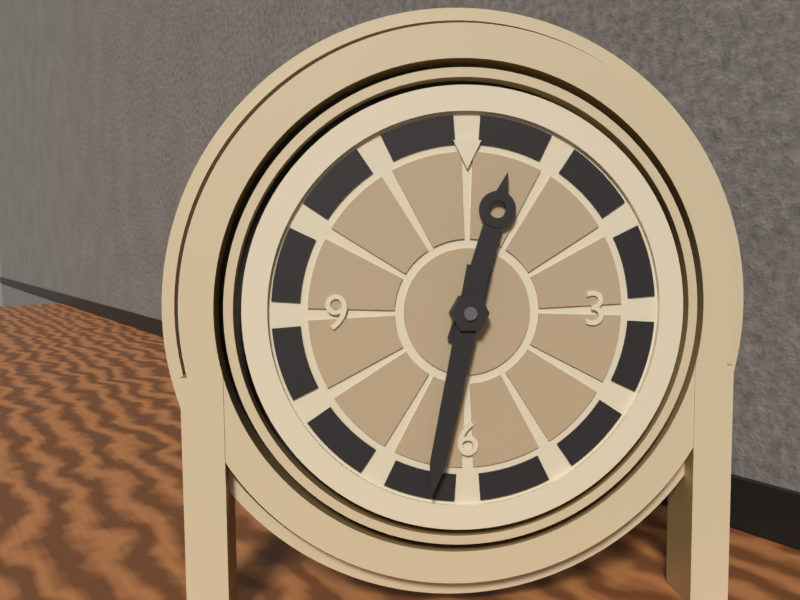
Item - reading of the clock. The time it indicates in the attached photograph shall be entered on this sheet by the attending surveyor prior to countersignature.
12:32
